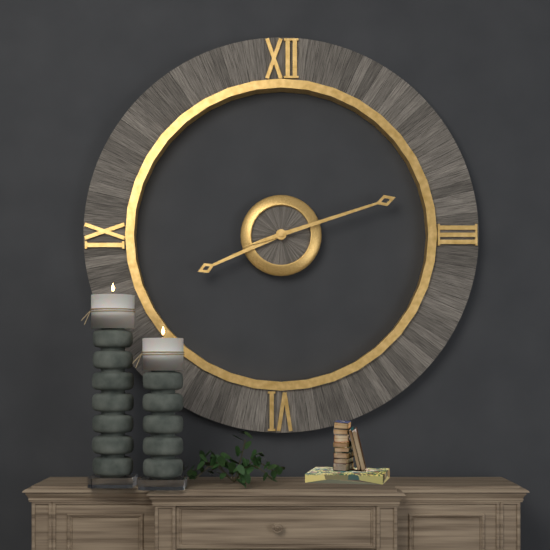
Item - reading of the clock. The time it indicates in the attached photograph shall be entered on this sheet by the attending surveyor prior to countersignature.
8:12
